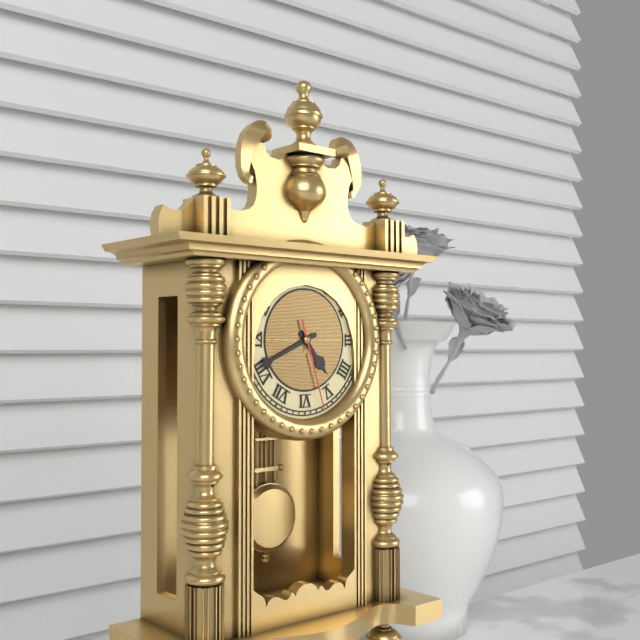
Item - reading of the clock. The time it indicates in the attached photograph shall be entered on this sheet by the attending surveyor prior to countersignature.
4:41:27
